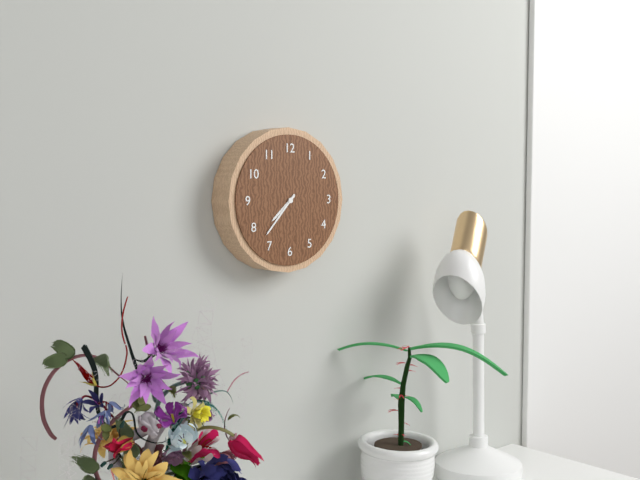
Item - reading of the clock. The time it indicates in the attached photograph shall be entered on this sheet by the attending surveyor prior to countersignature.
7:37
